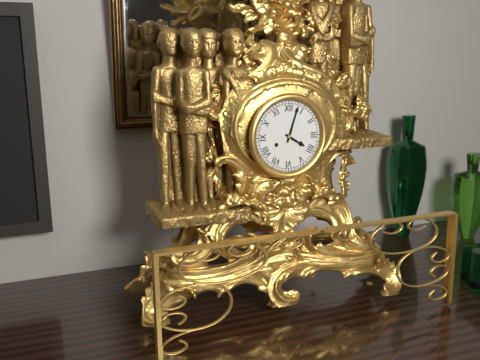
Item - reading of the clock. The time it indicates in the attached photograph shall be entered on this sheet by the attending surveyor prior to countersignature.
4:03
